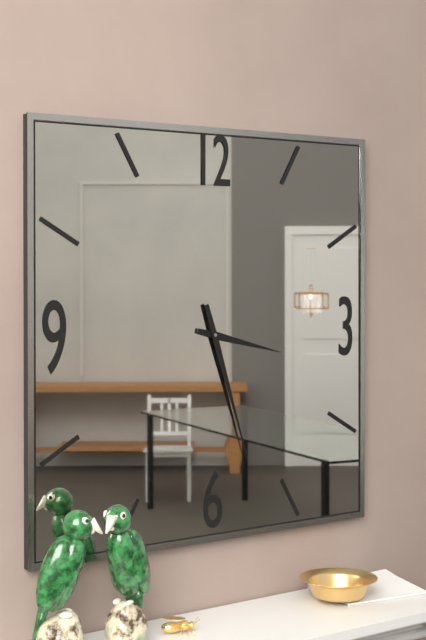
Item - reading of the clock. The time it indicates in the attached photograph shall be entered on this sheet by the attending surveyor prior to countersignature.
3:27
